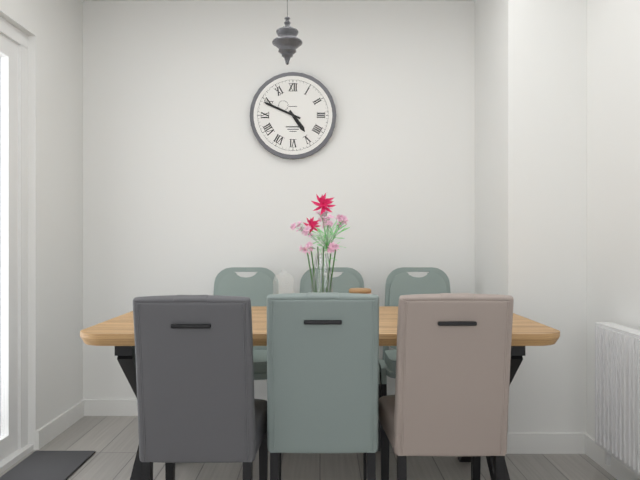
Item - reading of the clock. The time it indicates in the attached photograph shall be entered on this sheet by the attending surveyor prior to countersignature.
4:49
